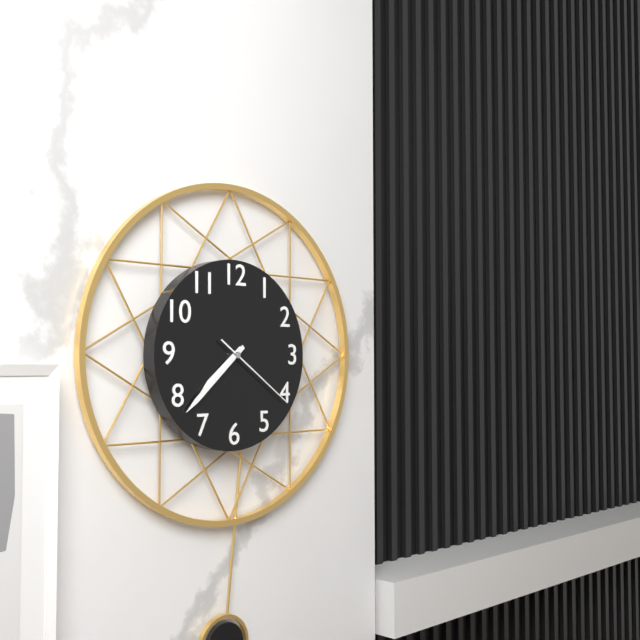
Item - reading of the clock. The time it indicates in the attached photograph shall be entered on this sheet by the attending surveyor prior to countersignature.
7:38:21
